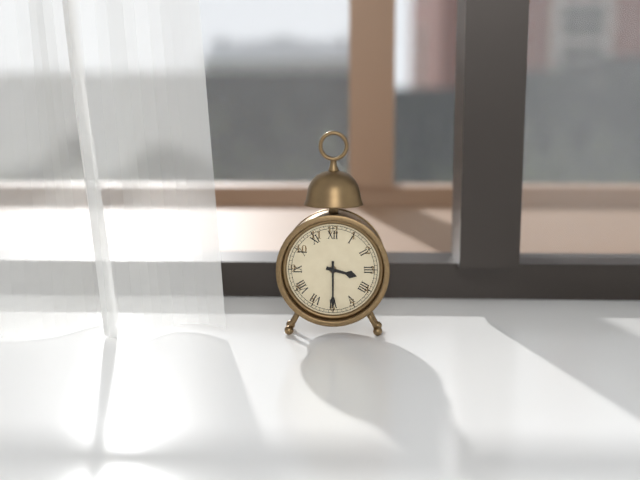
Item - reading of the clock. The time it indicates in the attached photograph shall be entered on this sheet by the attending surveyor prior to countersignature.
3:30
